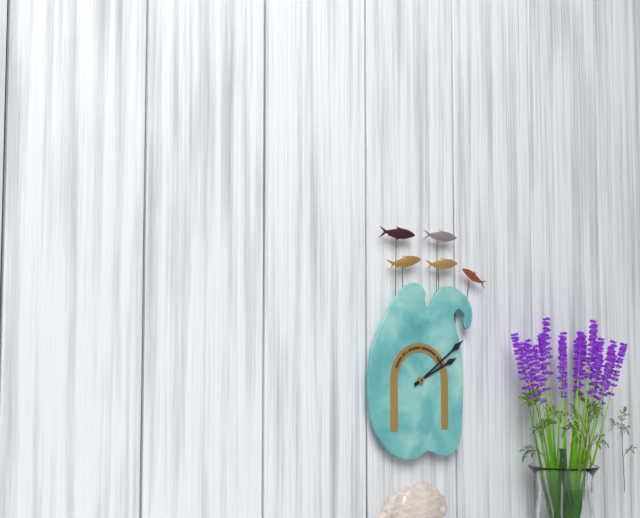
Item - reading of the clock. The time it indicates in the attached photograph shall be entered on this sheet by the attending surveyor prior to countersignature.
2:09
